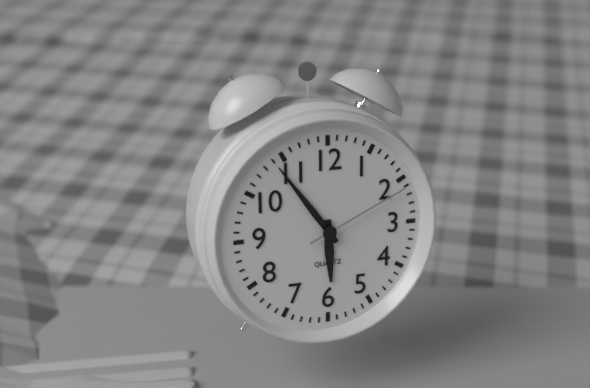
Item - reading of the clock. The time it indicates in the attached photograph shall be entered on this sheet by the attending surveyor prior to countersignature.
5:54:11
